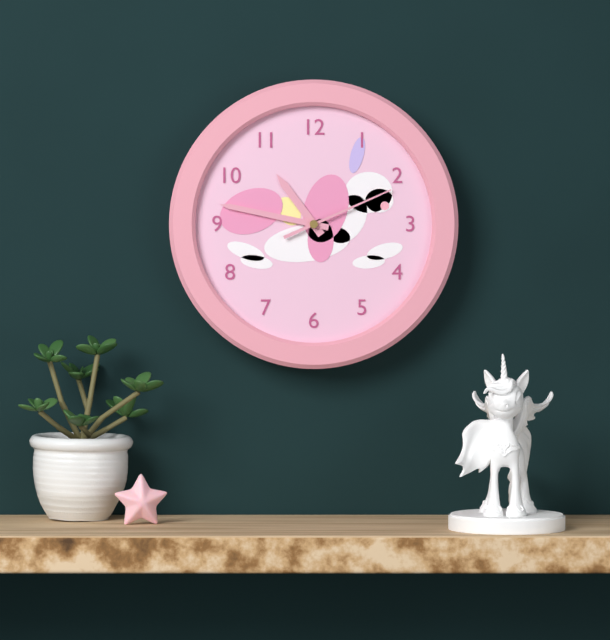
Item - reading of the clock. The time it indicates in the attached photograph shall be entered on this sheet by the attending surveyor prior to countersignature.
10:47:11
